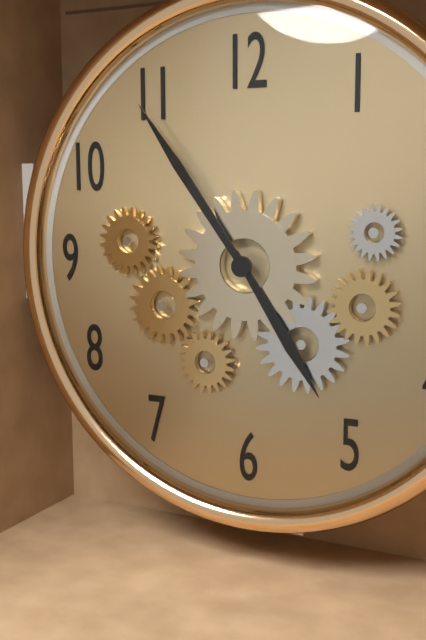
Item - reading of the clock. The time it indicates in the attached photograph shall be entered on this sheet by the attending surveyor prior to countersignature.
4:54
